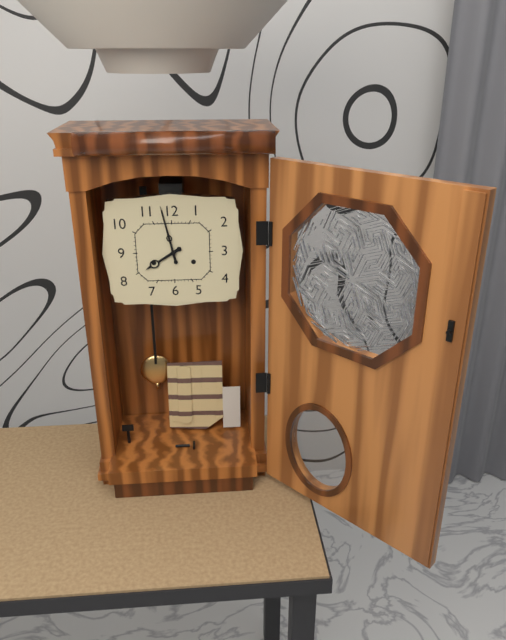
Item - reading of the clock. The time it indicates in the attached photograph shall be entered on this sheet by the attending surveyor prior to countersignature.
7:58
